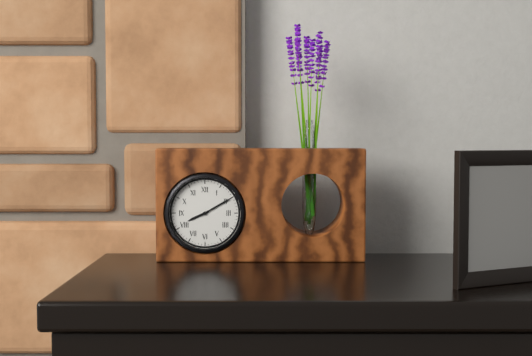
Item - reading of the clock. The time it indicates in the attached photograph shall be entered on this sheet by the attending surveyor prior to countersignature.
8:10
